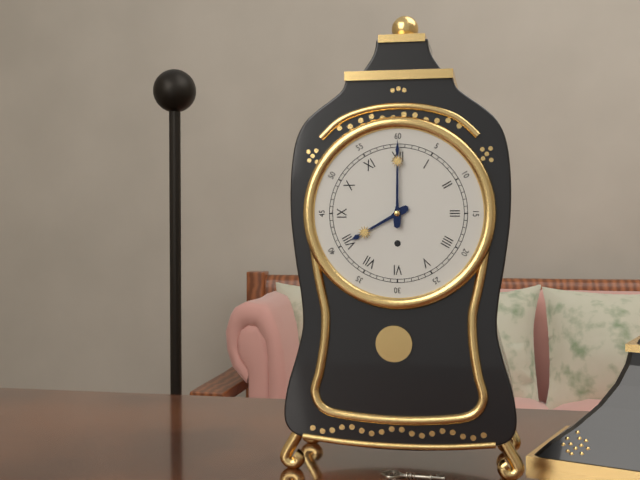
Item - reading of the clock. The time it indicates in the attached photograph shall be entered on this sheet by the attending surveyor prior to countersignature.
8:00
